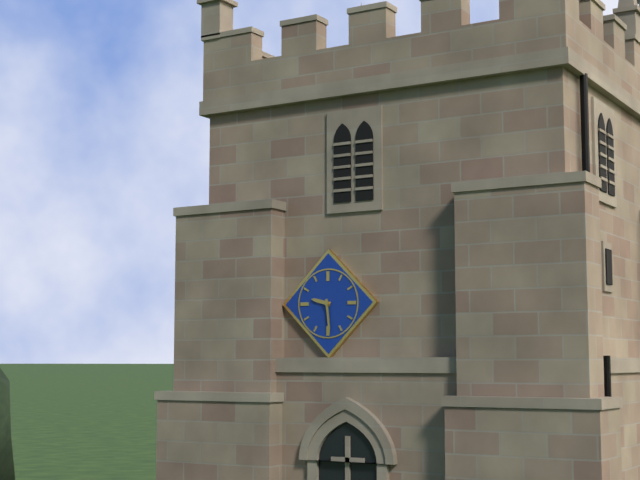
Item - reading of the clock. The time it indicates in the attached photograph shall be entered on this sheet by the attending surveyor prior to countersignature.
9:29
